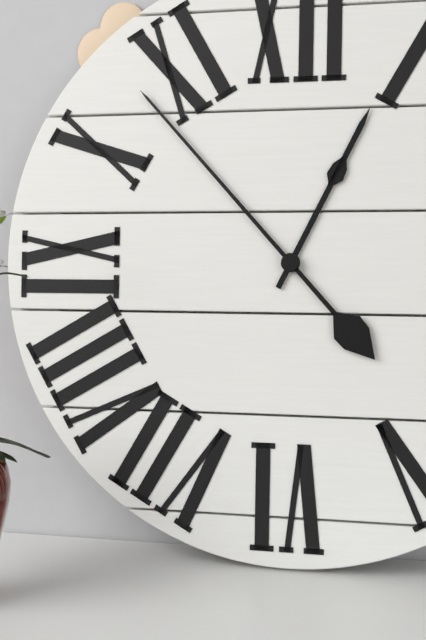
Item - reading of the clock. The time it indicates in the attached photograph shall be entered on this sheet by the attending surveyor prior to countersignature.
12:53
